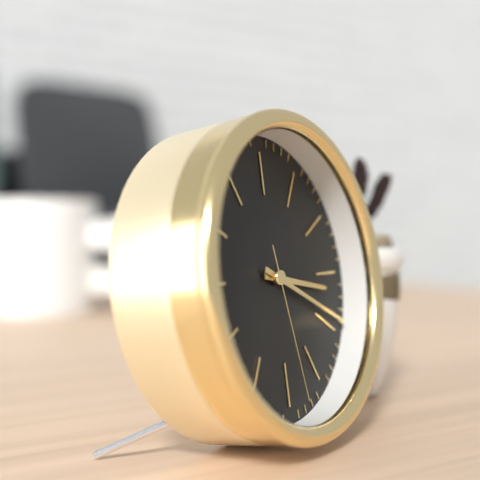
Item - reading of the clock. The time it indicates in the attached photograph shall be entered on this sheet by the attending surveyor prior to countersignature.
3:19:28
